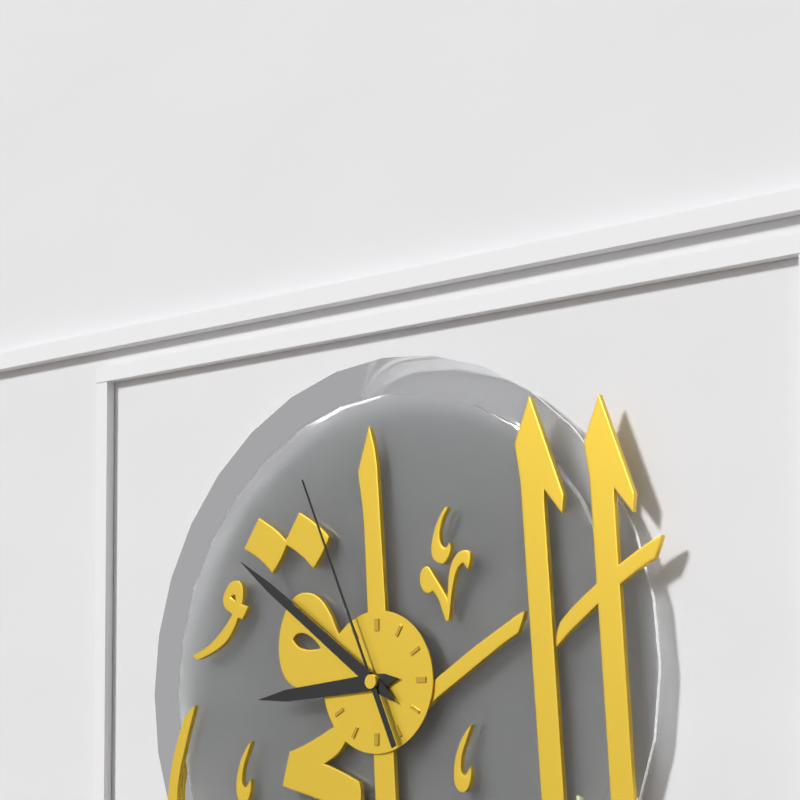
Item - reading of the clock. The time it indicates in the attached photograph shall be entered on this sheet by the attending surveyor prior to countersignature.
8:51:56
